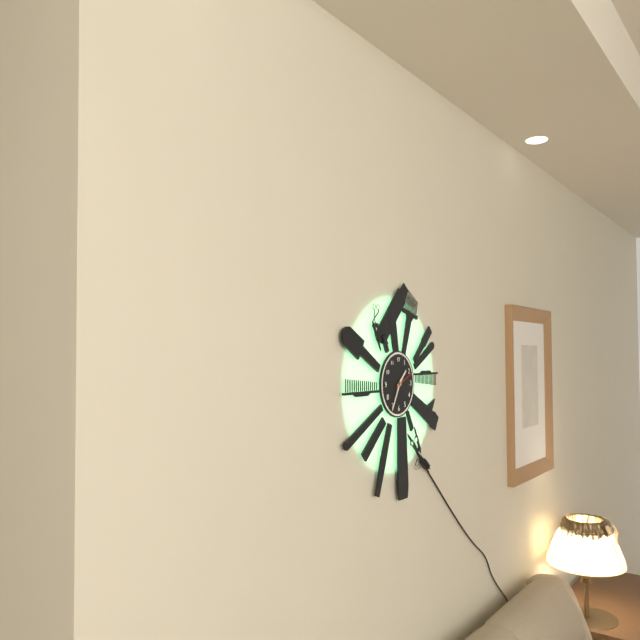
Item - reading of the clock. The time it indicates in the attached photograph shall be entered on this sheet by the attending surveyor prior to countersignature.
1:35
